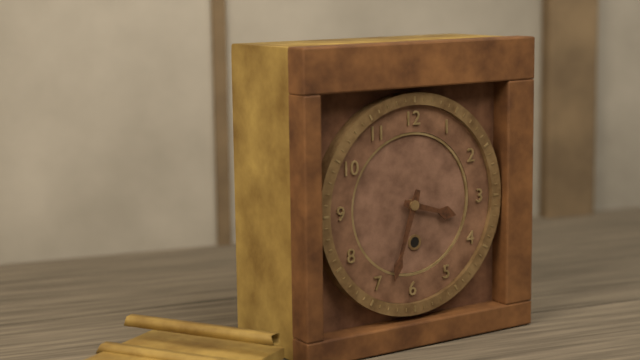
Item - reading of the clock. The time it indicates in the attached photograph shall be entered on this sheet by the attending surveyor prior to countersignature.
3:33
